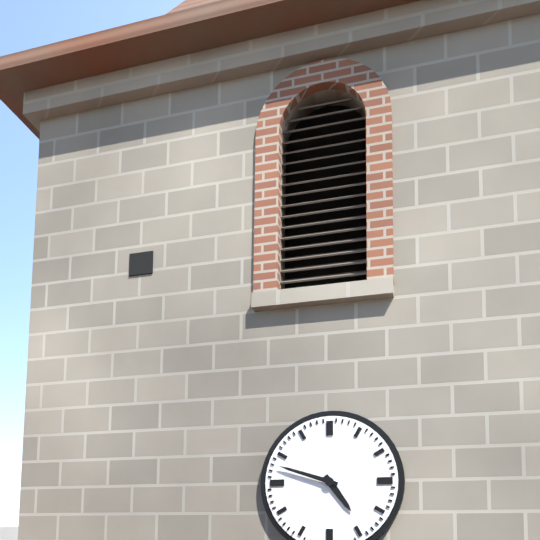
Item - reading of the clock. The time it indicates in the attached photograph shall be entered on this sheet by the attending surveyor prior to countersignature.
4:48
